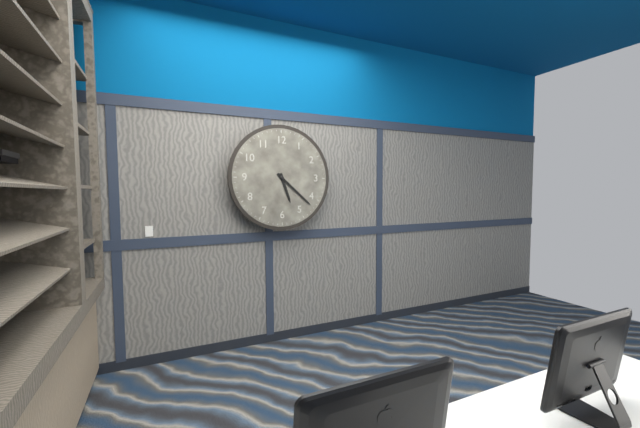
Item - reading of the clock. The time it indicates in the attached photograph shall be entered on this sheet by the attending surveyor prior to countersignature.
5:22
